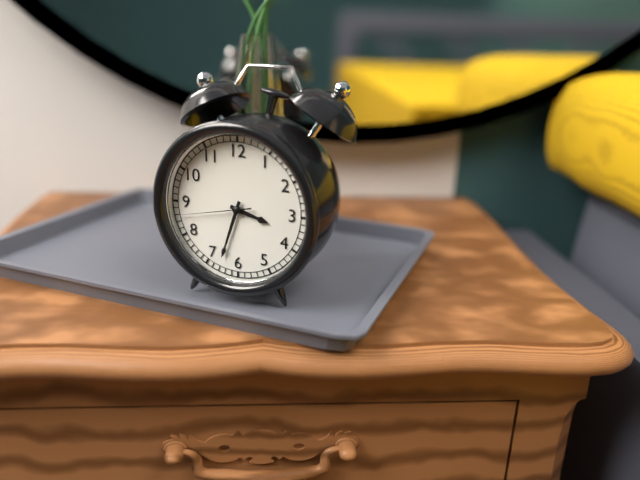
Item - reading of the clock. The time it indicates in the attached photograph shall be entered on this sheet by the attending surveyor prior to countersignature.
3:33:43
